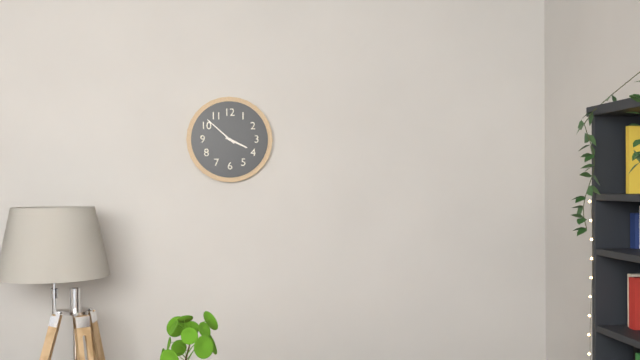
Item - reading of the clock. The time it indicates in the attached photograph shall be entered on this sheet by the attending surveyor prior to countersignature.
3:52
